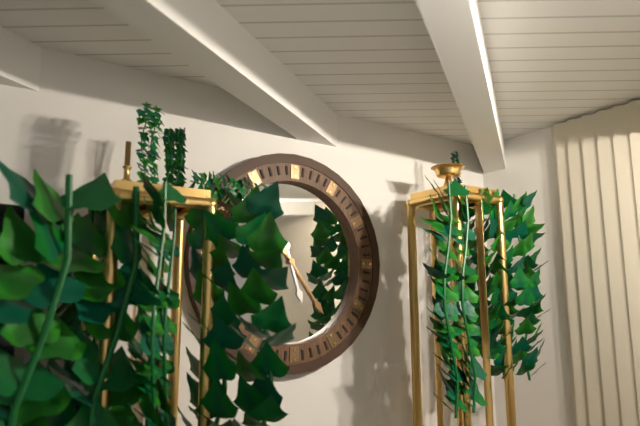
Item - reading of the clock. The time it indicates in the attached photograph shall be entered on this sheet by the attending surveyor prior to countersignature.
5:24
